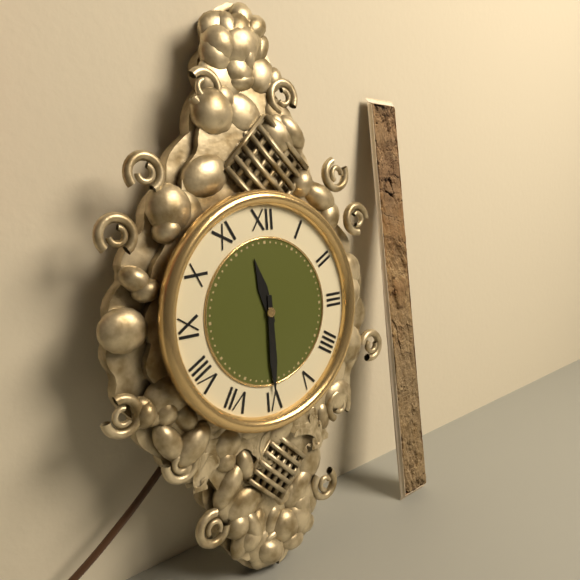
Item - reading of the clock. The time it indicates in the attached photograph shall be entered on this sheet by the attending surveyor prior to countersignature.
11:30
